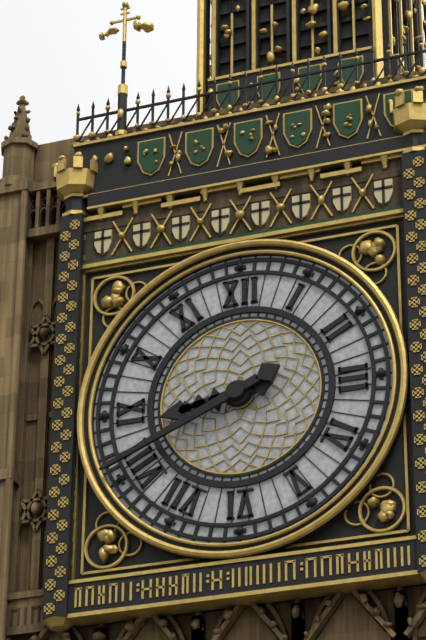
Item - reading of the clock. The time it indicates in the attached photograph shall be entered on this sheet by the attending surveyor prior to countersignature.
8:41
